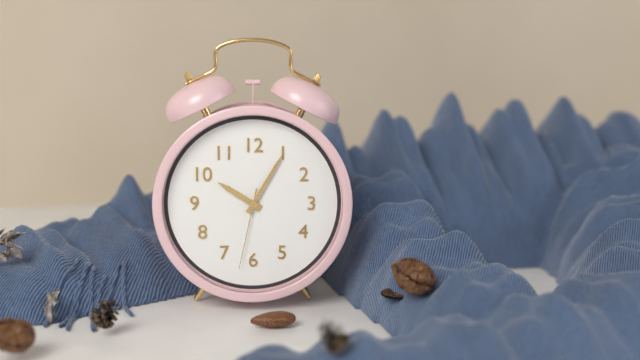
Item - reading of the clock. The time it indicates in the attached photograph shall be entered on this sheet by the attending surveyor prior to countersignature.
10:05:32
